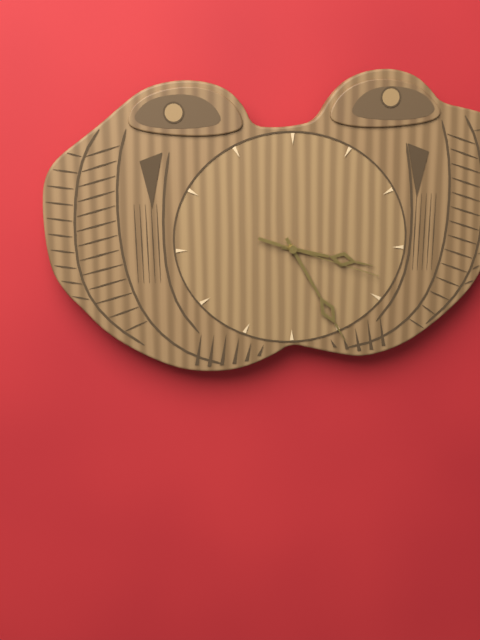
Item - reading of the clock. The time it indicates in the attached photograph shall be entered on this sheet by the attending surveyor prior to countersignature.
3:25:18
